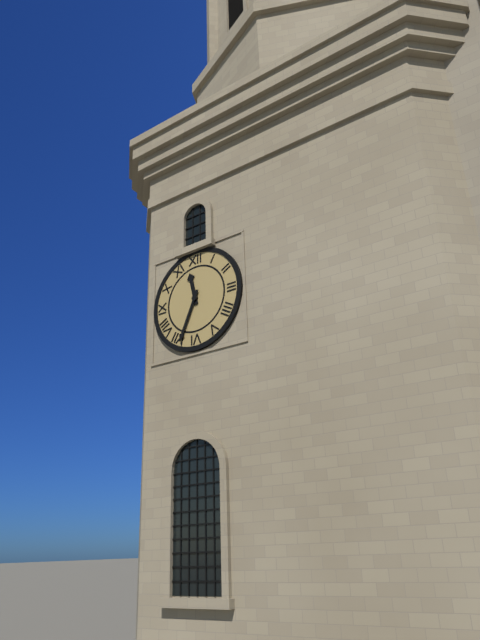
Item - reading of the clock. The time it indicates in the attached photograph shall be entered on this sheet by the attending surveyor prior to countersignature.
11:34
